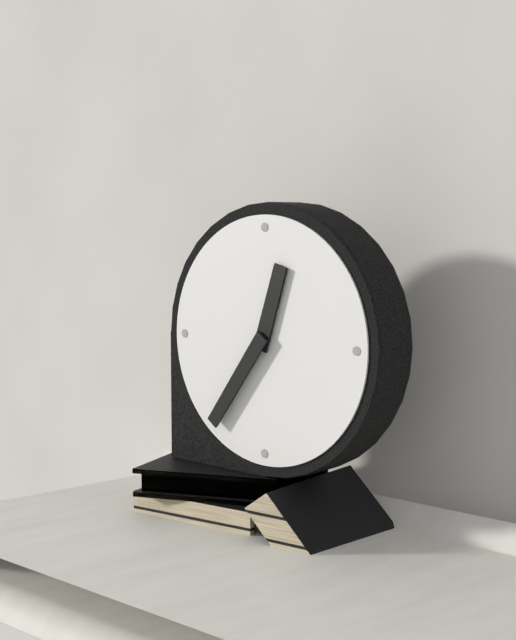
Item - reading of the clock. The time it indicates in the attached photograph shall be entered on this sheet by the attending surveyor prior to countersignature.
12:36
